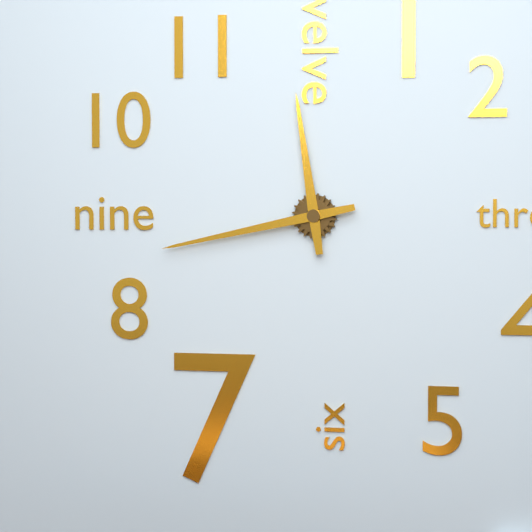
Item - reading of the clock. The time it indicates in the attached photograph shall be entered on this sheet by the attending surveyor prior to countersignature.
11:43
